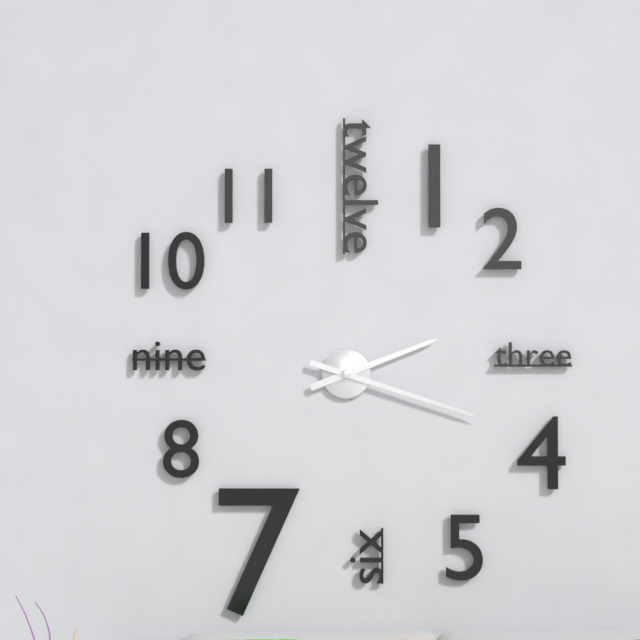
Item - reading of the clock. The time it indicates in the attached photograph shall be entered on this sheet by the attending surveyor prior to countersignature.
2:18
